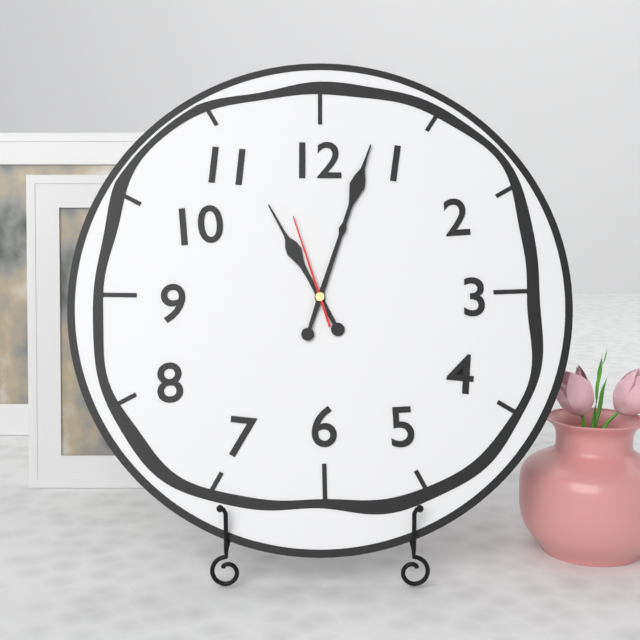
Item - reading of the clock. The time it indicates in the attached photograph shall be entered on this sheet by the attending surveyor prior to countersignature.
11:03:57
